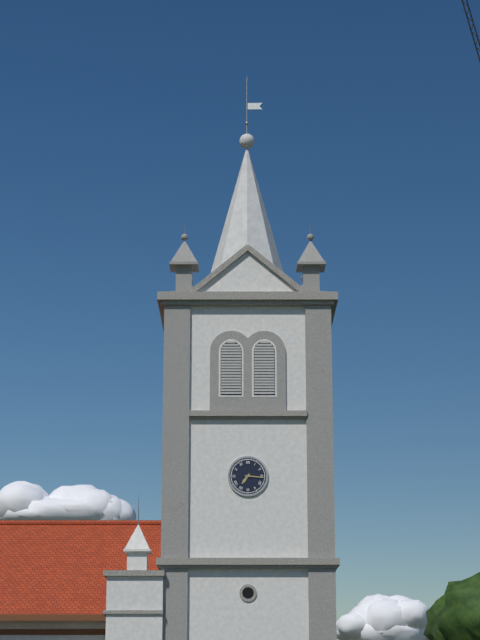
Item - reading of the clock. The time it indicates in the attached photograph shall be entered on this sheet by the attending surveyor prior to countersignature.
7:16
